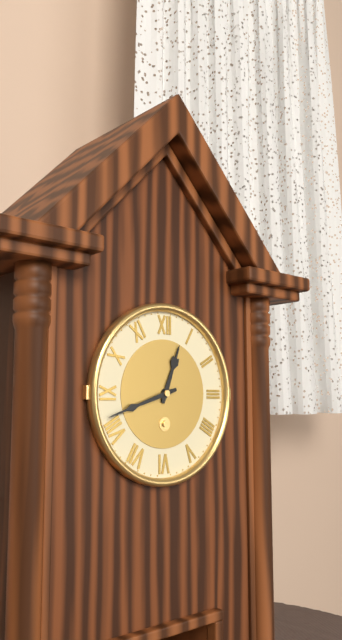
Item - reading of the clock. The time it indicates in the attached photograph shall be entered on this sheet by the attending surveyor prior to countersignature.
12:42
